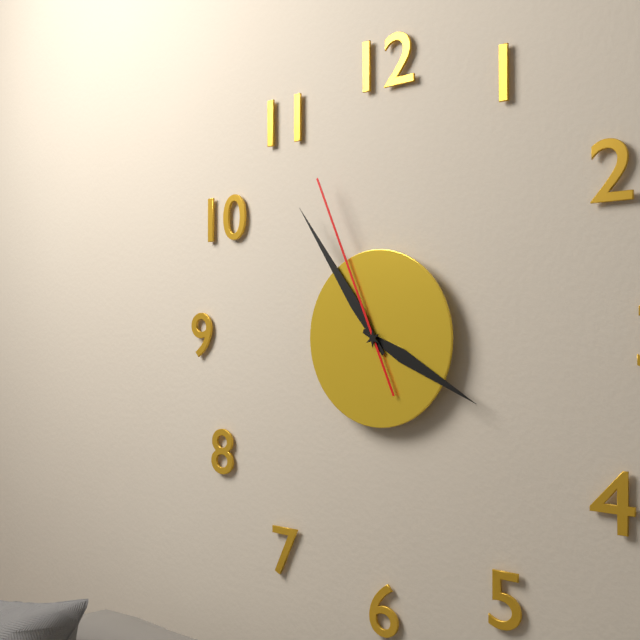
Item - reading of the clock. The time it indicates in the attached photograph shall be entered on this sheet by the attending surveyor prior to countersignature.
3:54:56
